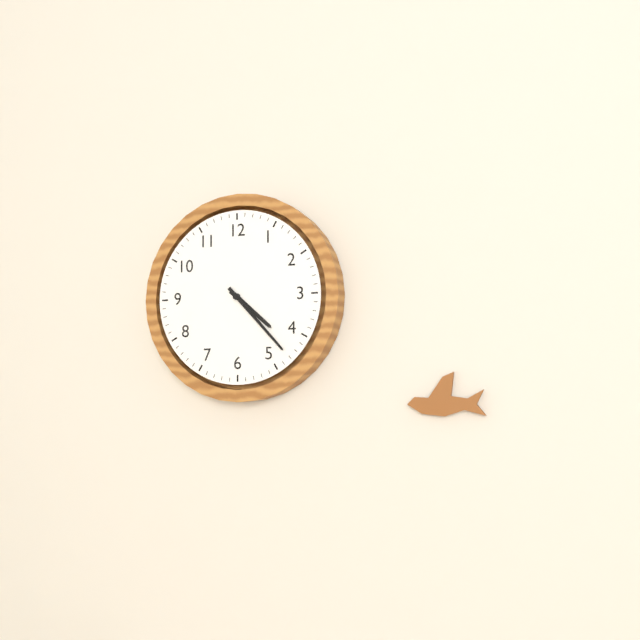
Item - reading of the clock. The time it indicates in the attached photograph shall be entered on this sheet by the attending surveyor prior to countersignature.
4:23
